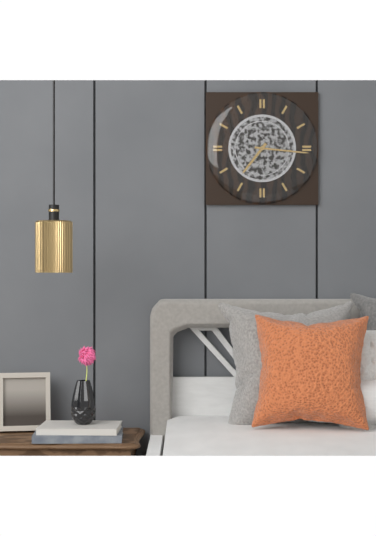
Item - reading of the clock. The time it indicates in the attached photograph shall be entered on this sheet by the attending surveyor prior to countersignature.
7:16
